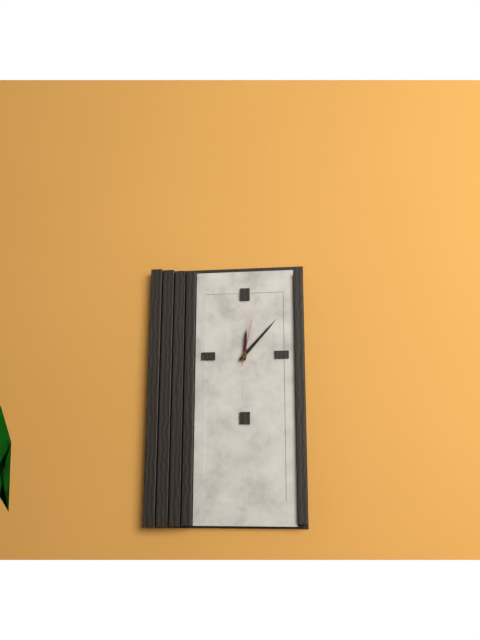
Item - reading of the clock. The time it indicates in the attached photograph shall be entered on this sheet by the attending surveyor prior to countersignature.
12:07:02
